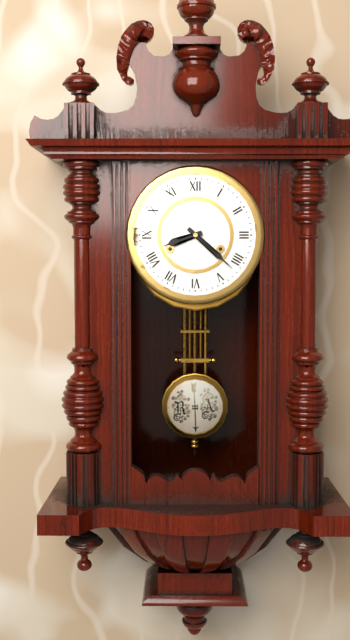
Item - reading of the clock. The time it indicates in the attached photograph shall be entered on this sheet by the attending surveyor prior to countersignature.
8:22
